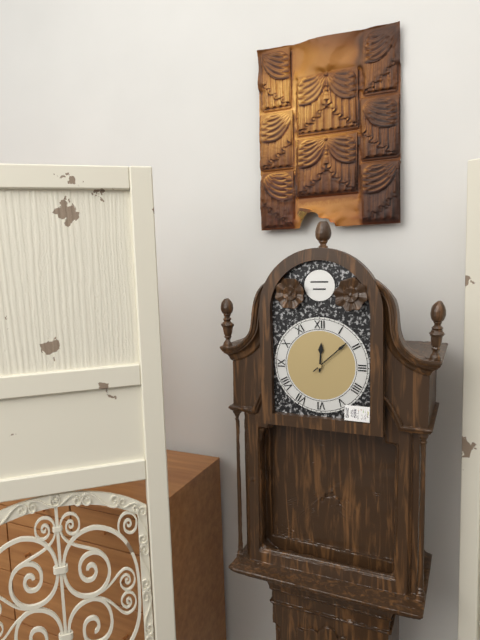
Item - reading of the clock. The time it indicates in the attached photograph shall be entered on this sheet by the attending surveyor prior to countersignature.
12:08
